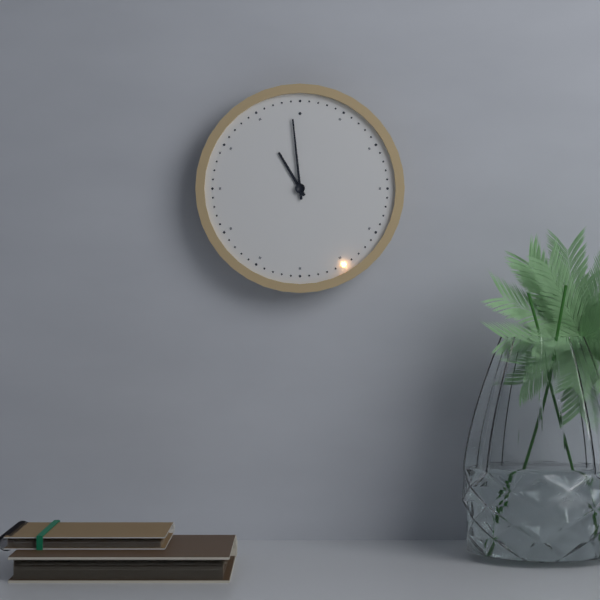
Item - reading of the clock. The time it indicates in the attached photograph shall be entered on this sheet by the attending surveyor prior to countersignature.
10:59
